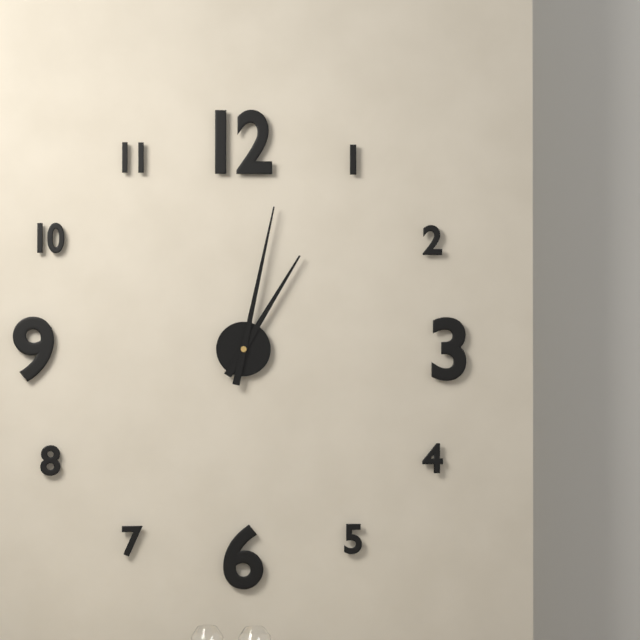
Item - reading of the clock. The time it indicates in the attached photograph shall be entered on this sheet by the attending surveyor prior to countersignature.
1:02
